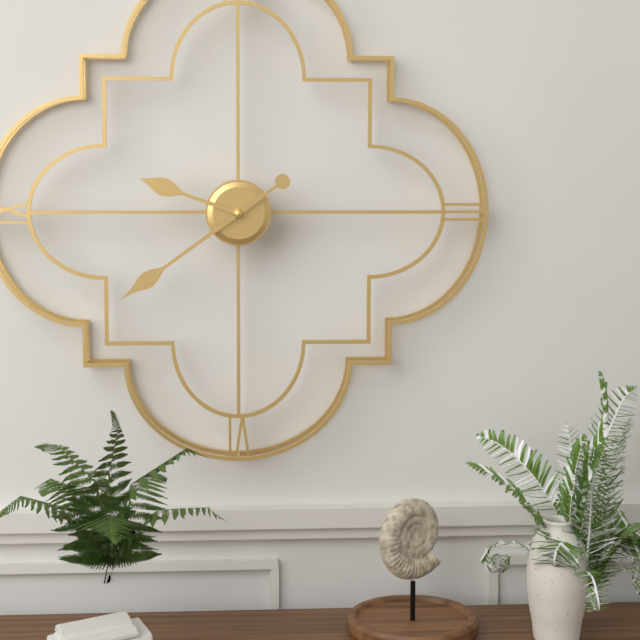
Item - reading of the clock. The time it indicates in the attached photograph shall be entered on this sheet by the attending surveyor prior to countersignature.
9:39
